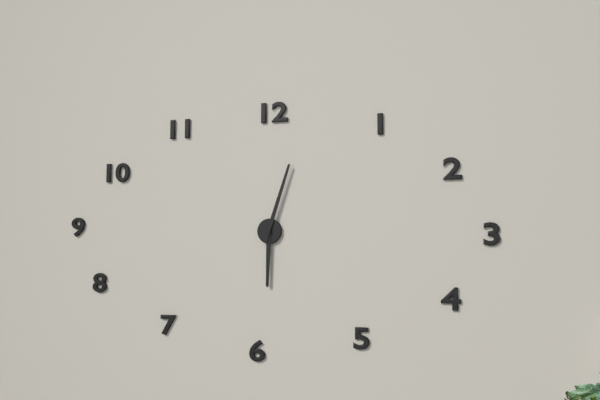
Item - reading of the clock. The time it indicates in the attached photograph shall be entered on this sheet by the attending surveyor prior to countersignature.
6:03
